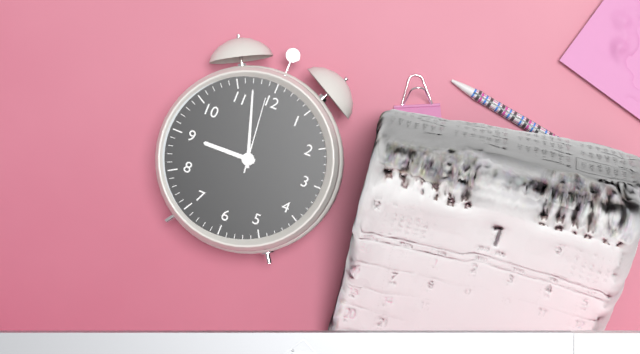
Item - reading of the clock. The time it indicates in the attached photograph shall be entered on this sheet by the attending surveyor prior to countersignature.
8:57:59
